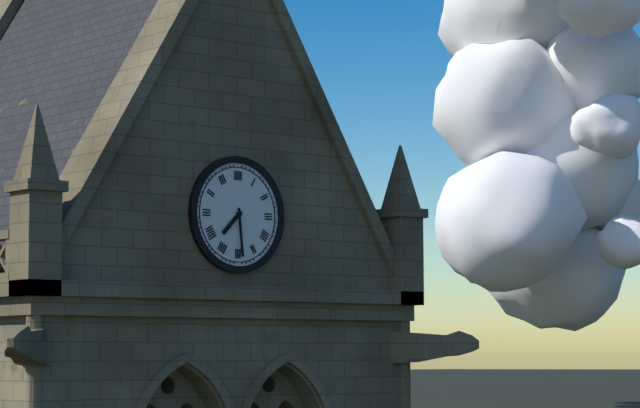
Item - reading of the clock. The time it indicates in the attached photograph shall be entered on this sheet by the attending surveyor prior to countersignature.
7:29
